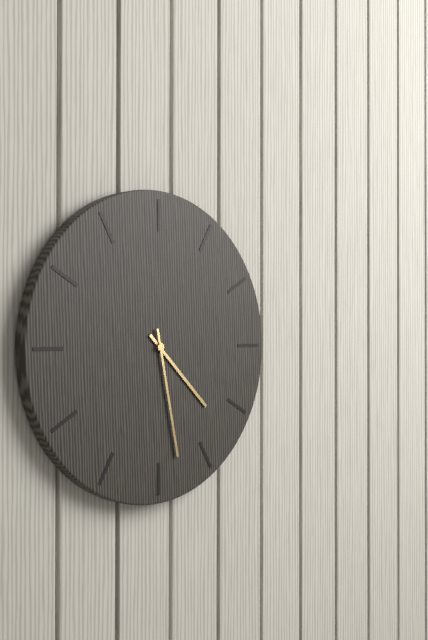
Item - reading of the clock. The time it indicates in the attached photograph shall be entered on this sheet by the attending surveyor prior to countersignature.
4:28
